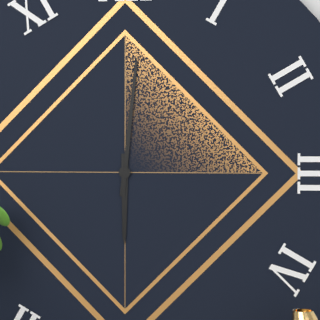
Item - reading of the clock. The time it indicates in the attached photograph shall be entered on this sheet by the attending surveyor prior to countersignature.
6:01
